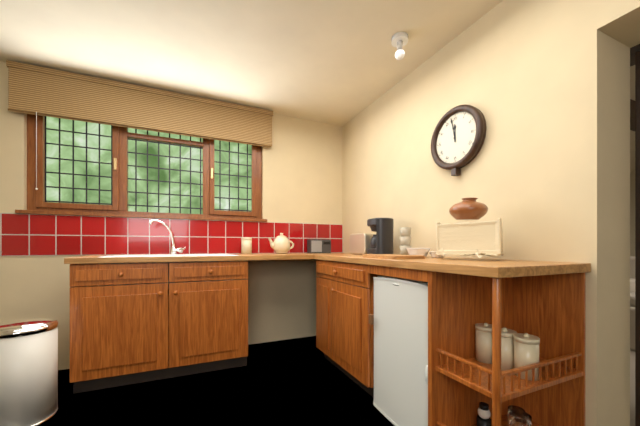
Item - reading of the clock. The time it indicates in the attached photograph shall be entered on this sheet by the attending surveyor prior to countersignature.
11:58
